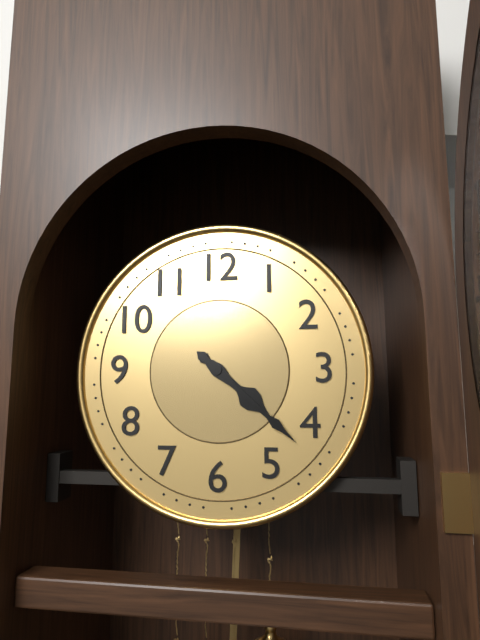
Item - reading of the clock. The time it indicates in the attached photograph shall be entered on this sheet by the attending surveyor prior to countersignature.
4:22
